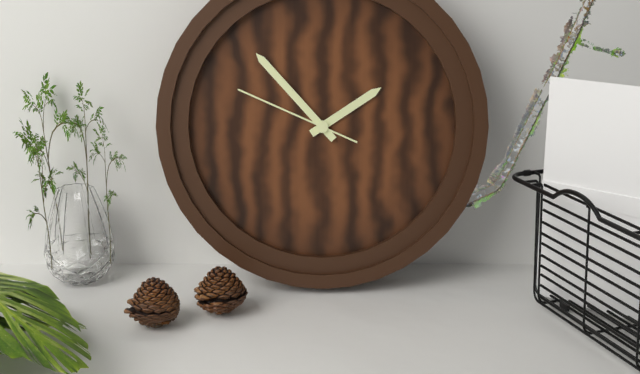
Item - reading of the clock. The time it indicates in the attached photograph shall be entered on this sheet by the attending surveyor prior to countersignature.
1:53:49
